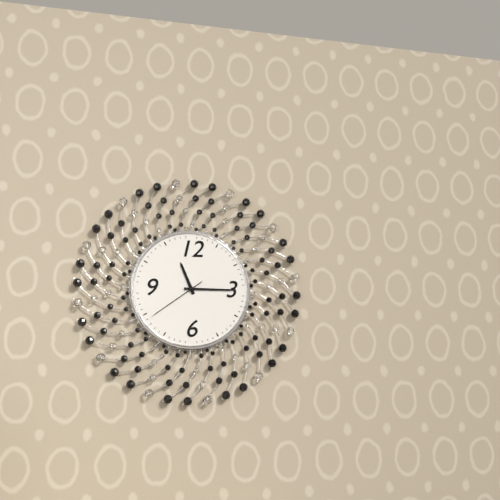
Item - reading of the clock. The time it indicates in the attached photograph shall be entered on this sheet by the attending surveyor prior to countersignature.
11:15:39
